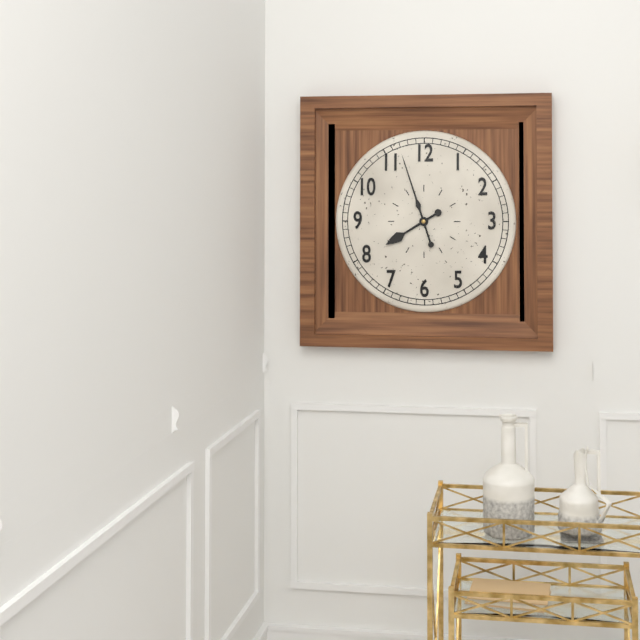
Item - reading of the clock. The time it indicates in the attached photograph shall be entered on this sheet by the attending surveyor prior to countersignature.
7:57
